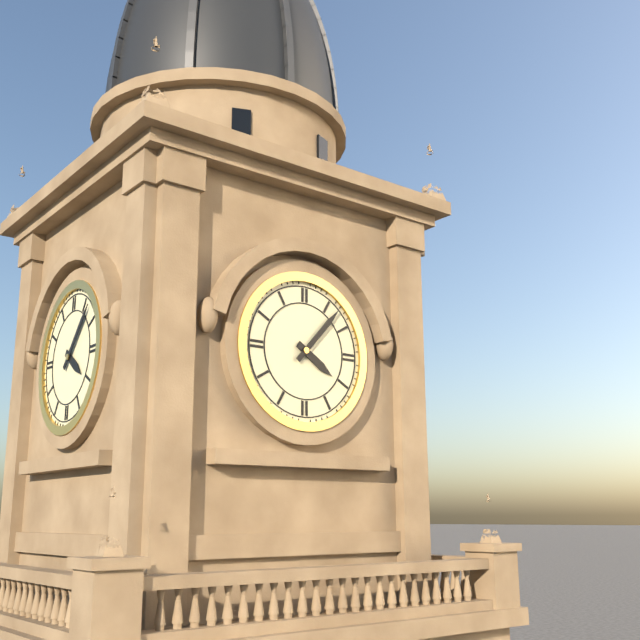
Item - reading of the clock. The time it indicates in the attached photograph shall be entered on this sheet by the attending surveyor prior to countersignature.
4:07
